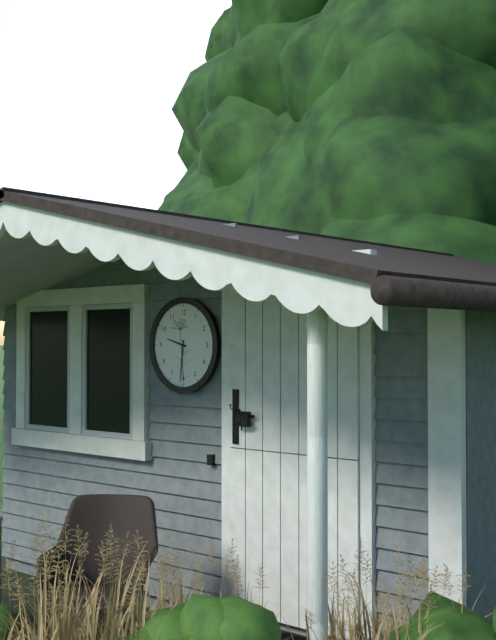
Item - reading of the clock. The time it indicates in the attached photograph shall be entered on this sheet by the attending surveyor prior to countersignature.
9:31
